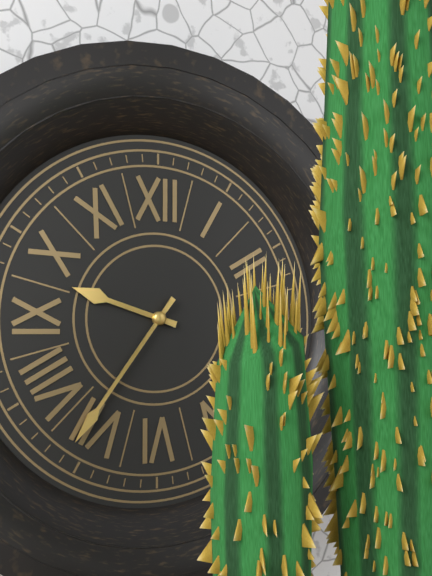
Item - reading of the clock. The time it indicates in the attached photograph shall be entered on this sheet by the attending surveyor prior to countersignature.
9:36
